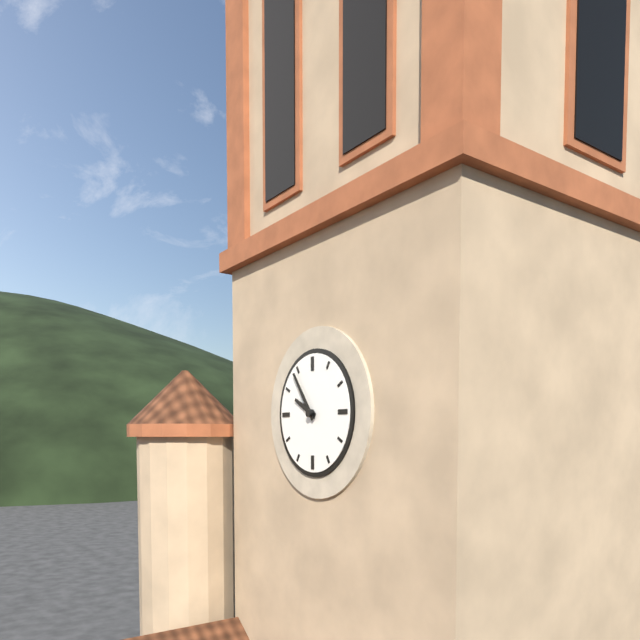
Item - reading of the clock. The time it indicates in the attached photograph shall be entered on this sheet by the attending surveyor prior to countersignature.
9:54
